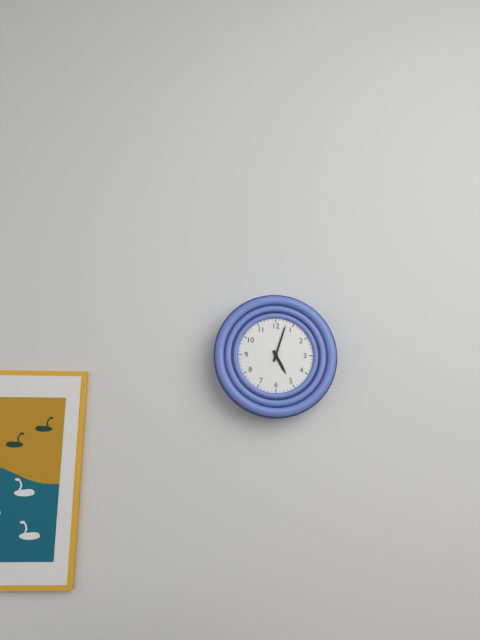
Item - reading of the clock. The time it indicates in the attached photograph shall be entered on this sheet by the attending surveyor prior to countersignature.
5:03
